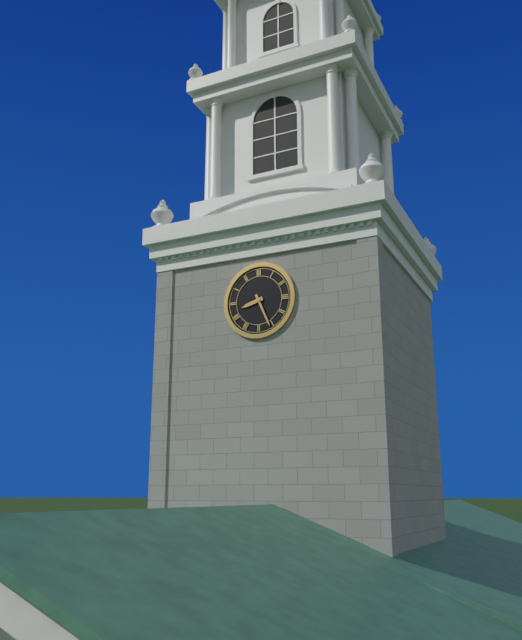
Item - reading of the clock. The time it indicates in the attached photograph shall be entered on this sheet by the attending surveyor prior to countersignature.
8:26
